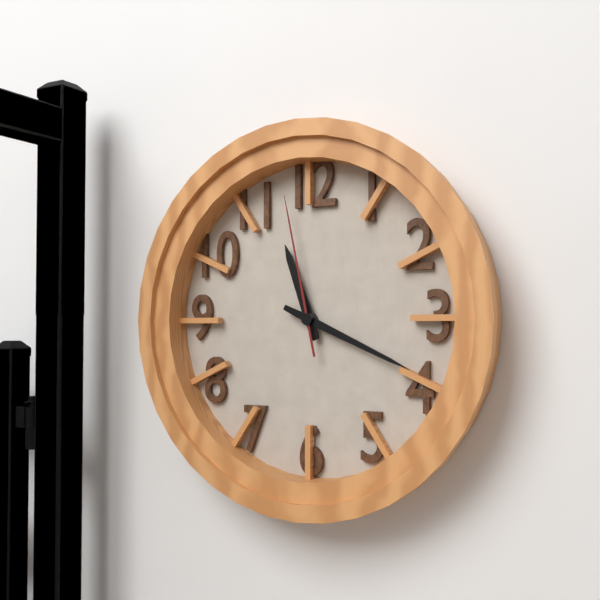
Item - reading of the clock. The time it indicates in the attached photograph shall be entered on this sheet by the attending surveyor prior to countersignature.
11:19:58
